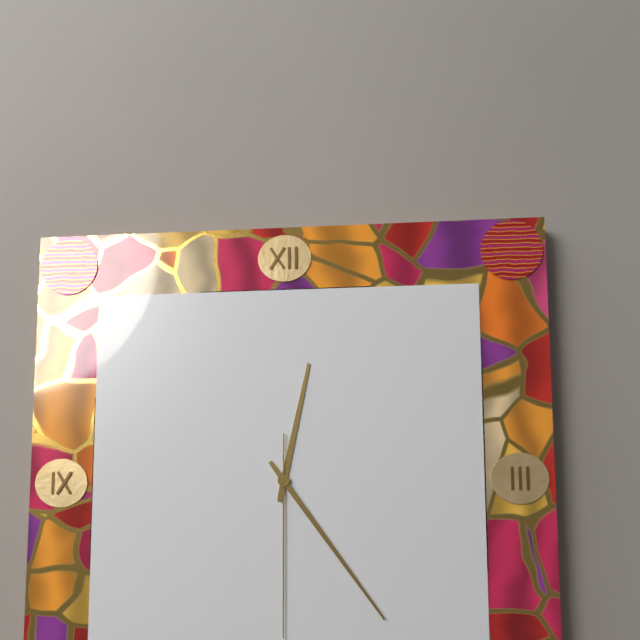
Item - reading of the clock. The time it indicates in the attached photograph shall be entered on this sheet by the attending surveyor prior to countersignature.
12:24:30
